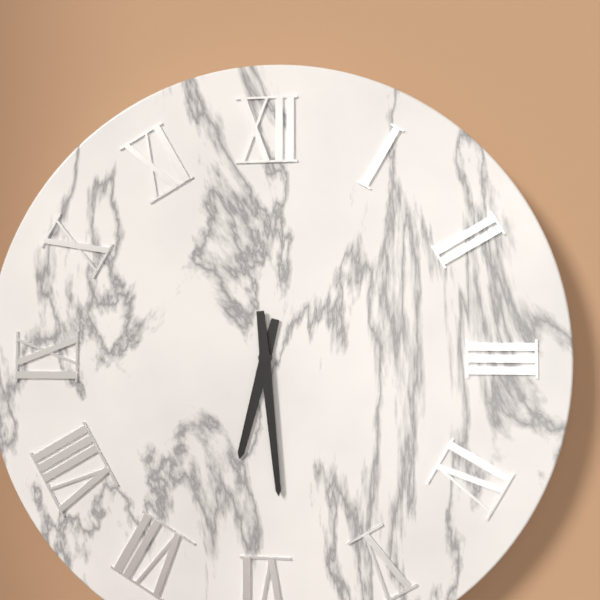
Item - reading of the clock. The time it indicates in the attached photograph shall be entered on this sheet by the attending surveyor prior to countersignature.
6:29
